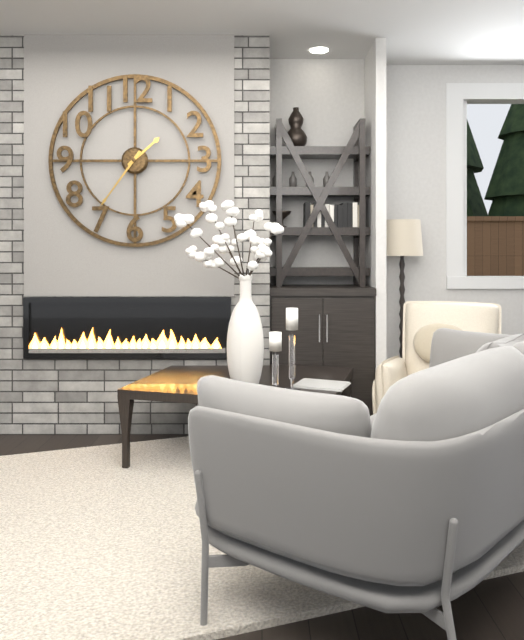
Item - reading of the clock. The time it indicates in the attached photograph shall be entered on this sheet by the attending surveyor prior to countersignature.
1:36
